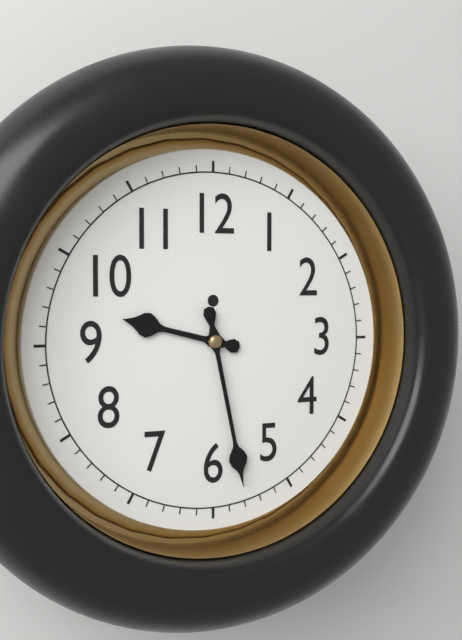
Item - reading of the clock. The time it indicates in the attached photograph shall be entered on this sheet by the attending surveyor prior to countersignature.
9:28
